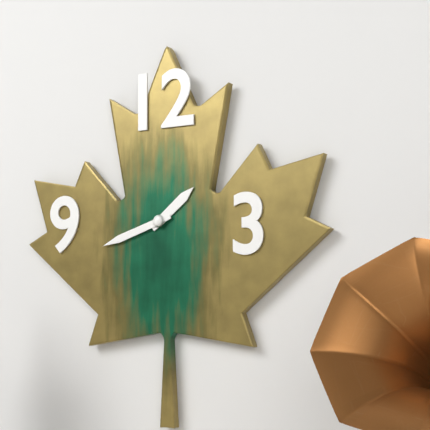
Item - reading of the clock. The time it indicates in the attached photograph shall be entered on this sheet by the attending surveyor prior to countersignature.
1:42
